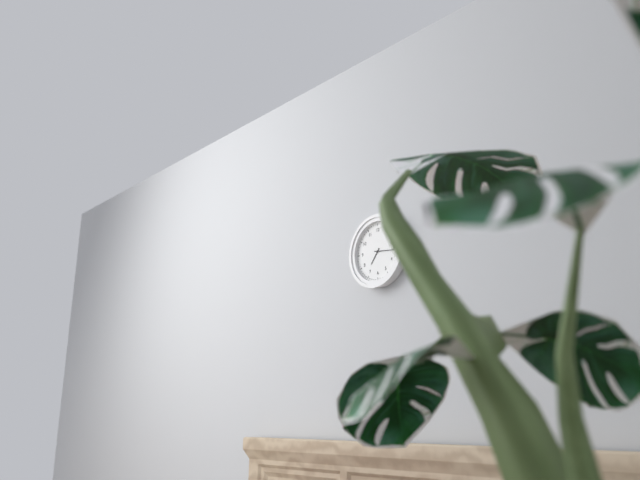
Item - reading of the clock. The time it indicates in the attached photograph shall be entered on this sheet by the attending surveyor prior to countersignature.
7:16
